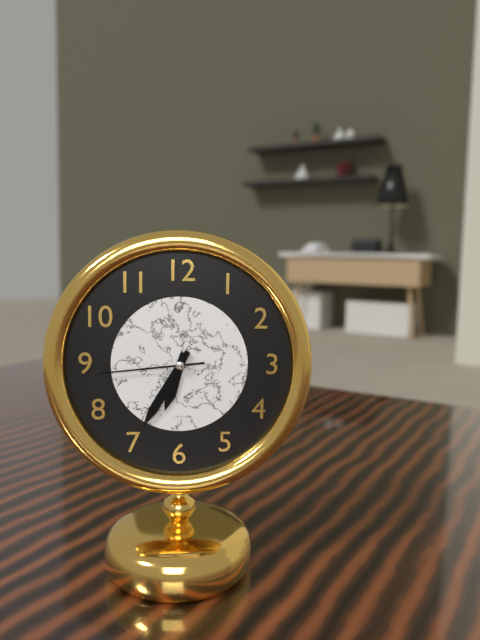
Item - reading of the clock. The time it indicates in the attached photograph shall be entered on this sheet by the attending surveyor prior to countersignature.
6:35:44
